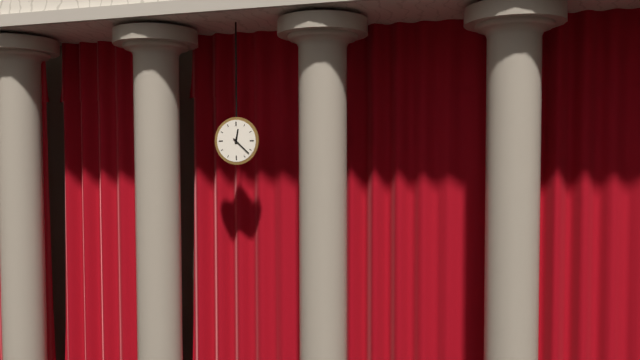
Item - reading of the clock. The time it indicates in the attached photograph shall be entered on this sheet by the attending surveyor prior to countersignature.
12:22
